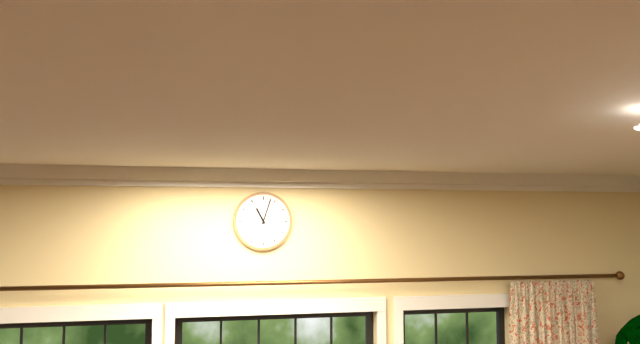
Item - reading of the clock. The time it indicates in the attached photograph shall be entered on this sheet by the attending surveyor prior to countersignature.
11:03
